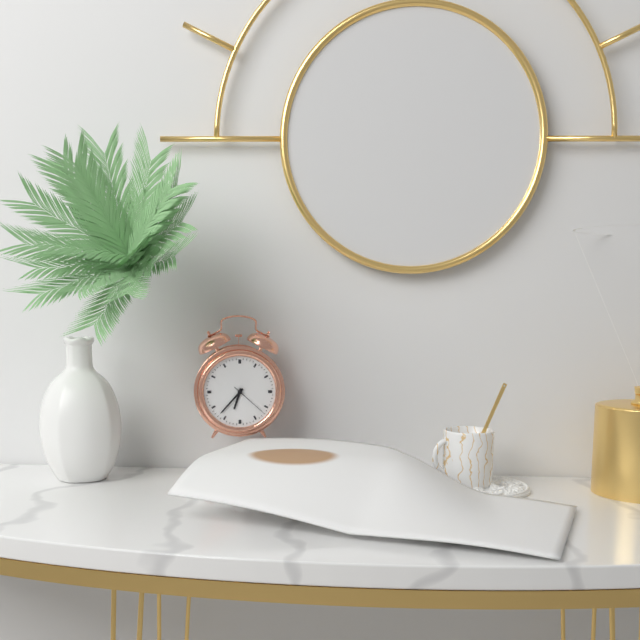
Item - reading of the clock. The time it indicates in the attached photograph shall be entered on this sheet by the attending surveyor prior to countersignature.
6:37
